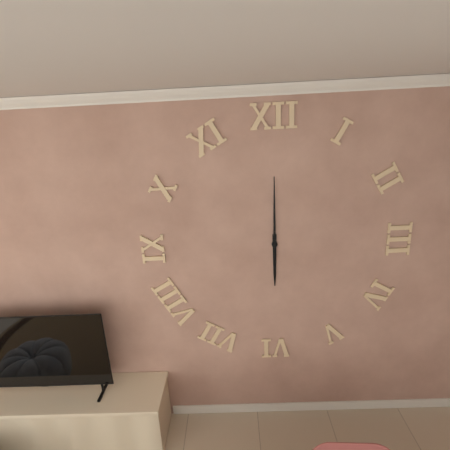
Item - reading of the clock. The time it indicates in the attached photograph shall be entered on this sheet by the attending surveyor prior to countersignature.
6:00
